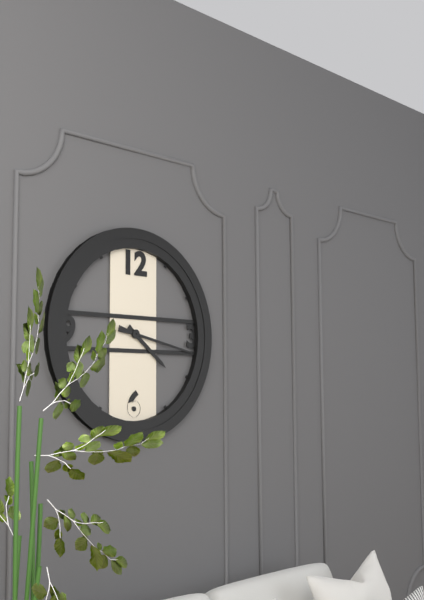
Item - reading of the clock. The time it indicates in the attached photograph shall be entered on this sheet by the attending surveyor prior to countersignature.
4:17
